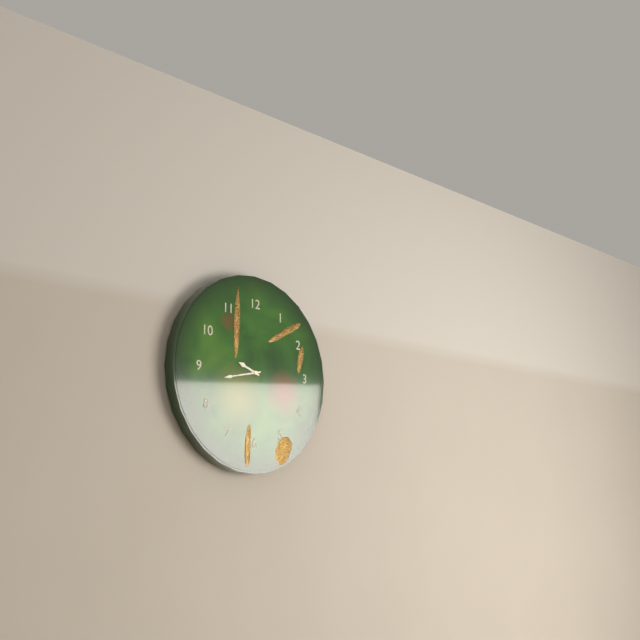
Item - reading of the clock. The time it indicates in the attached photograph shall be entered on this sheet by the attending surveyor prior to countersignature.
9:43
